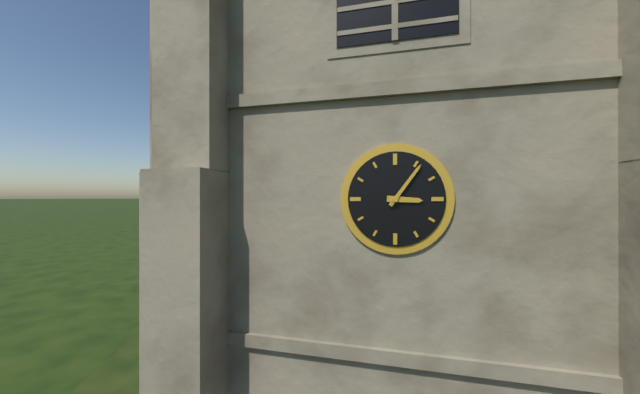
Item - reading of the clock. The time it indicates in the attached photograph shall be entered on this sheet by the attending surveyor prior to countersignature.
3:06
